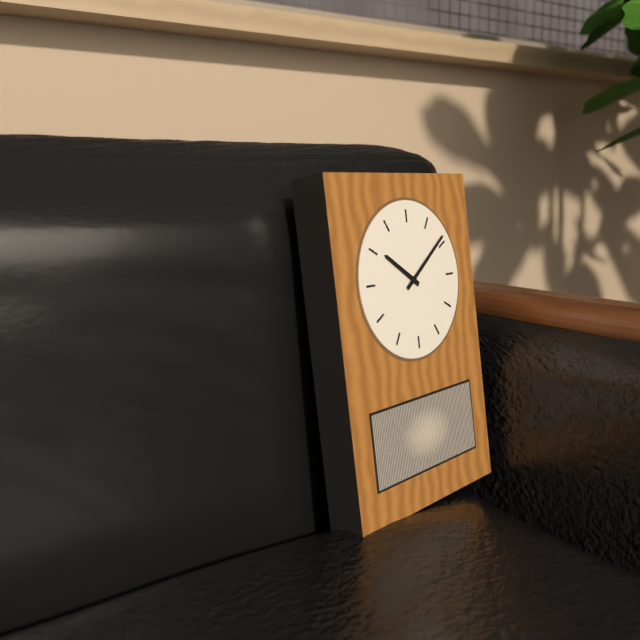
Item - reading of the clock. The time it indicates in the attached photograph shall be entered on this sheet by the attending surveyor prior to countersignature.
10:09
